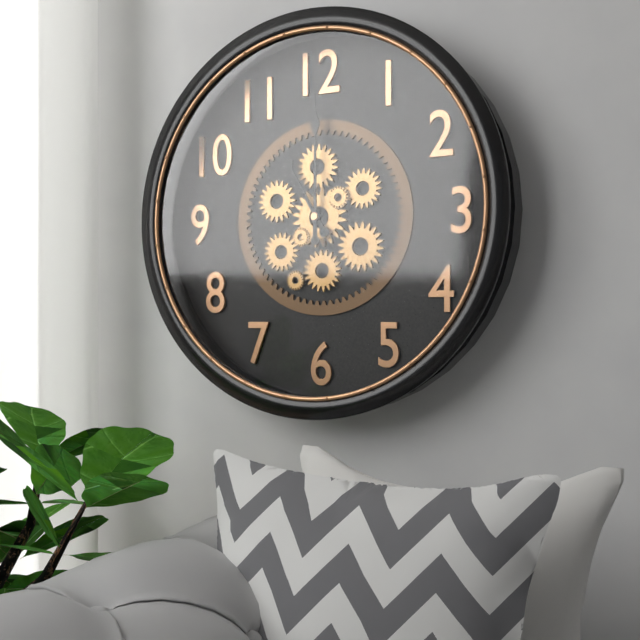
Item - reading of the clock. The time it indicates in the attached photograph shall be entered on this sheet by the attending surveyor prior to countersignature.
11:00
